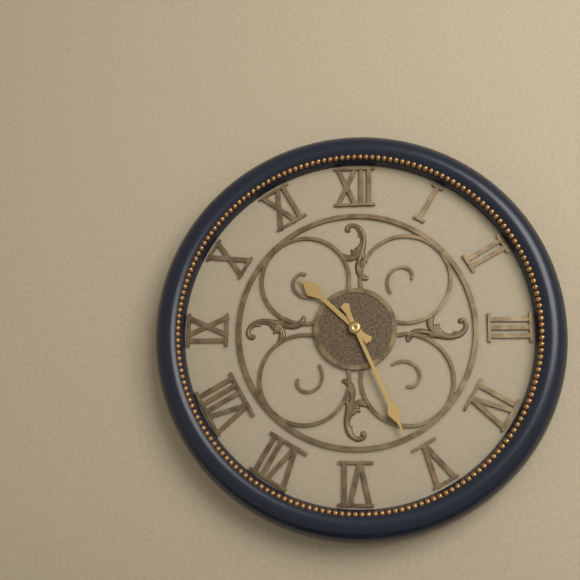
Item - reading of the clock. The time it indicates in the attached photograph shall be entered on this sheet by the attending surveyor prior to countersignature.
10:26
